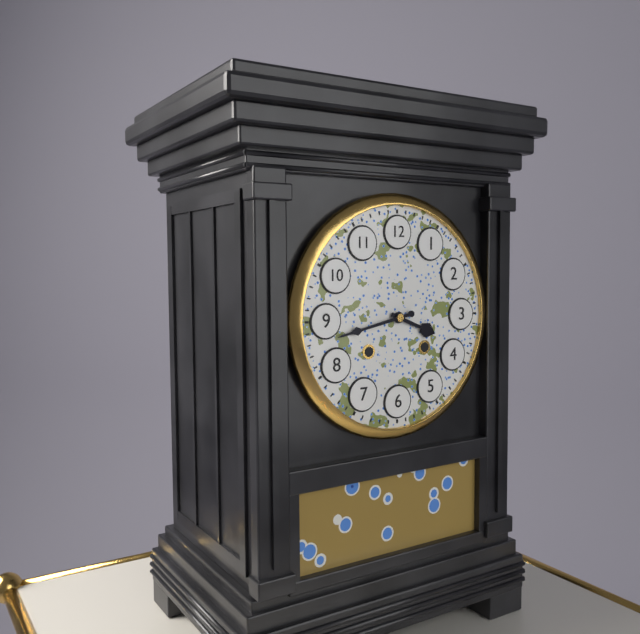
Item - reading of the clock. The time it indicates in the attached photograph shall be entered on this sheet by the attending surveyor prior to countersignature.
3:43
